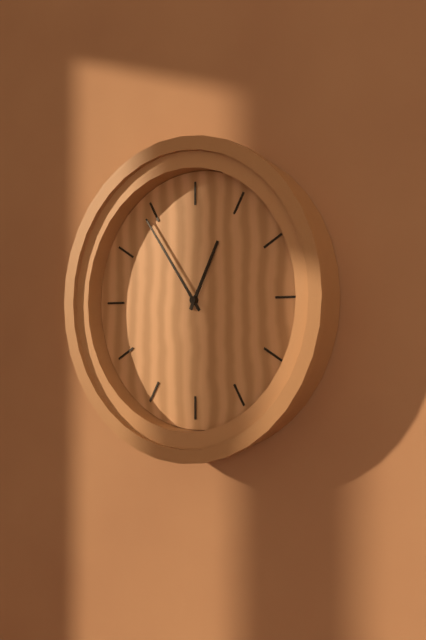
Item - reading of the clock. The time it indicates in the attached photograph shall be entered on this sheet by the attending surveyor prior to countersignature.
12:54
